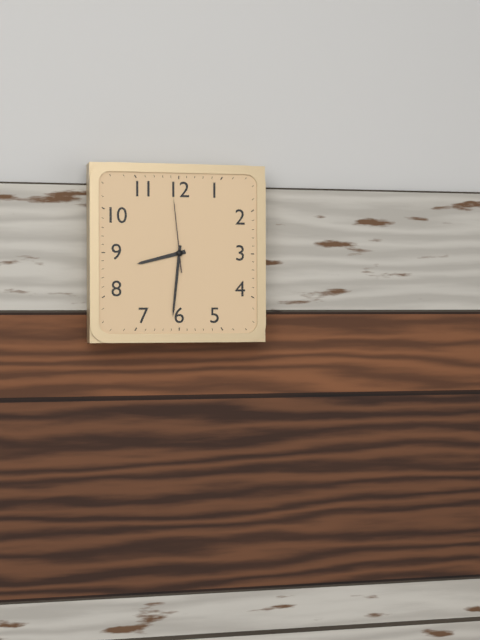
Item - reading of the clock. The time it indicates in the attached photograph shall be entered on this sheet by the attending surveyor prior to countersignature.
8:31:59
